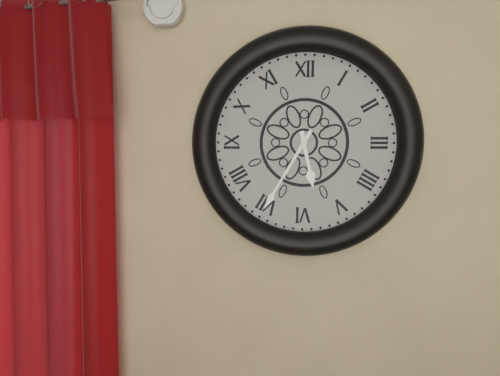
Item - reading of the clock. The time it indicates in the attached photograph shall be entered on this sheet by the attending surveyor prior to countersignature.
5:35
